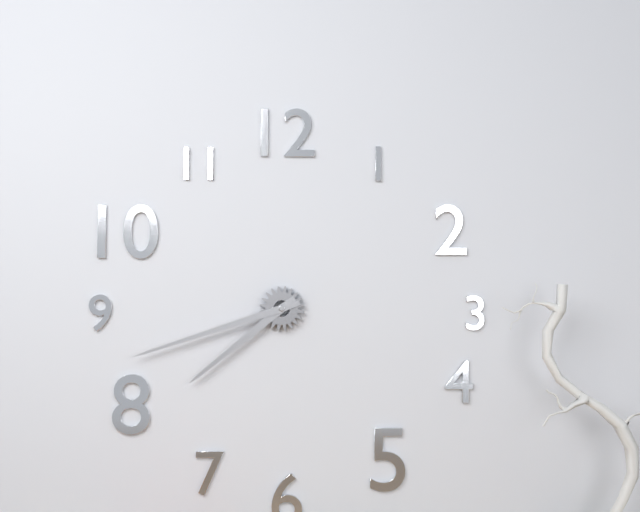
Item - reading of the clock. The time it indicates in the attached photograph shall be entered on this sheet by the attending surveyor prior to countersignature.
7:42
